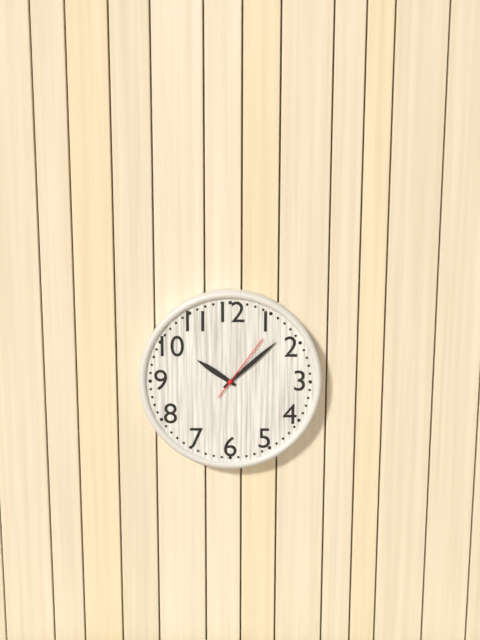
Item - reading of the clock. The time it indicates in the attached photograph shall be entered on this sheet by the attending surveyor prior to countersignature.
10:08:06
